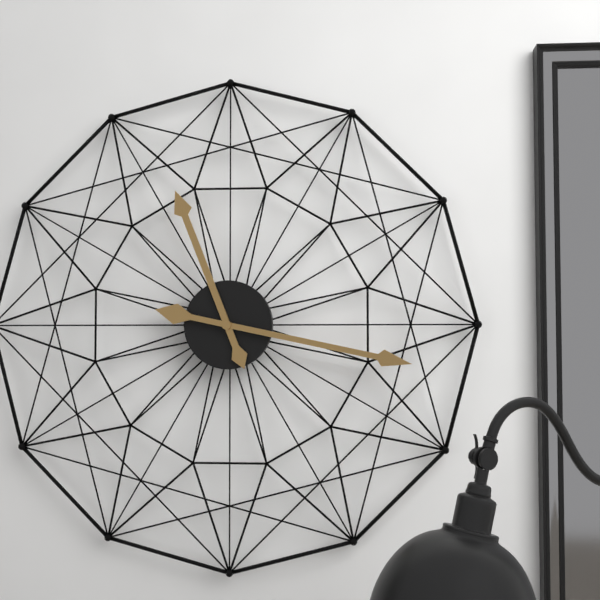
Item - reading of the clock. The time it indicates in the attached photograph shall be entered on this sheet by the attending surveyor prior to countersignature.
11:17
